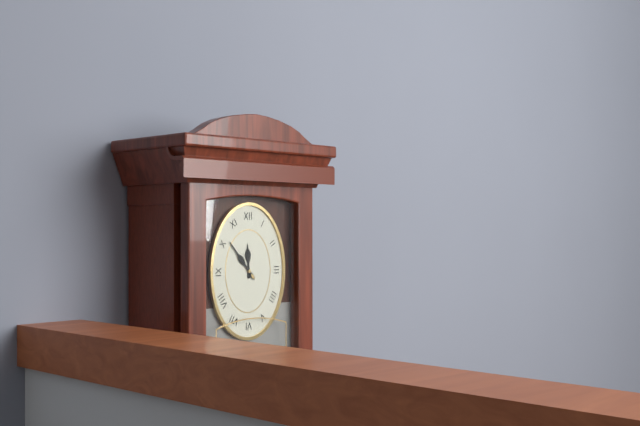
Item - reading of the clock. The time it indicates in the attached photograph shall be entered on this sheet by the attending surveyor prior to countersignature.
11:53
